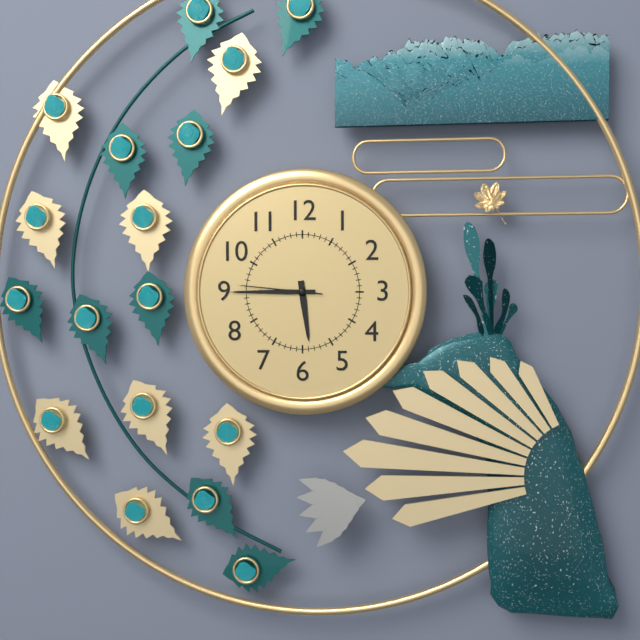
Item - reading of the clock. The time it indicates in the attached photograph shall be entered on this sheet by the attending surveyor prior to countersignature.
5:45:46
